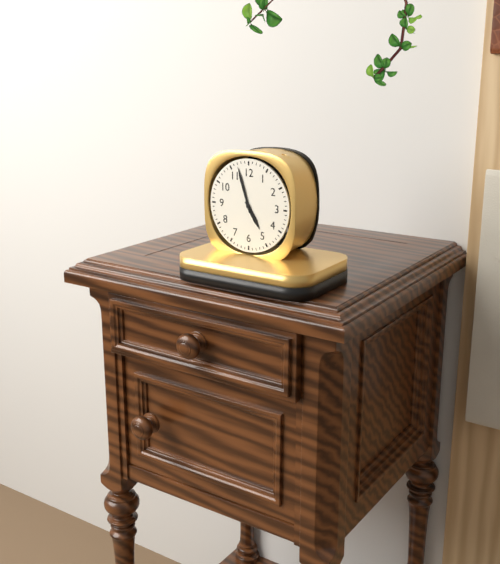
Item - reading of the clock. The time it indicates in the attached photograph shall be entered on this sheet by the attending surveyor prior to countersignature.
4:57
